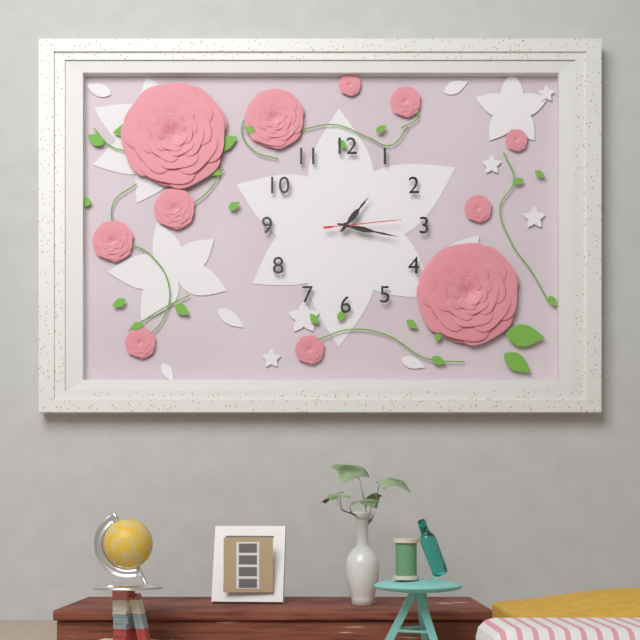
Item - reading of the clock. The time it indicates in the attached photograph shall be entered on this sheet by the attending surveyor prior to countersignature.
1:17:14
